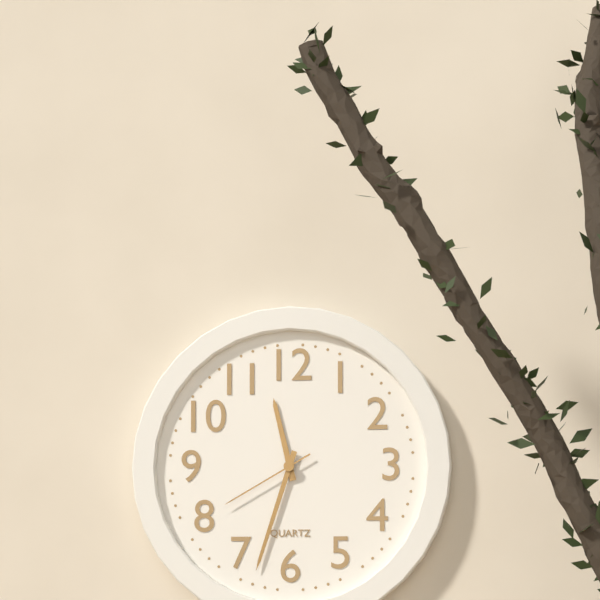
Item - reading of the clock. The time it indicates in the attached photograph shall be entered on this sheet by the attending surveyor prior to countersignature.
11:33:40
